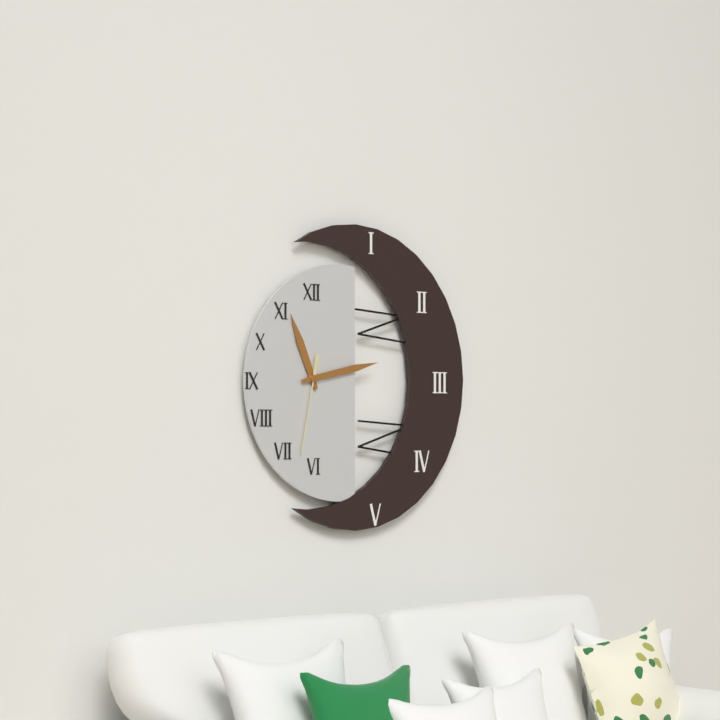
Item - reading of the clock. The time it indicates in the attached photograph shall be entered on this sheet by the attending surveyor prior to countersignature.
11:13:32
